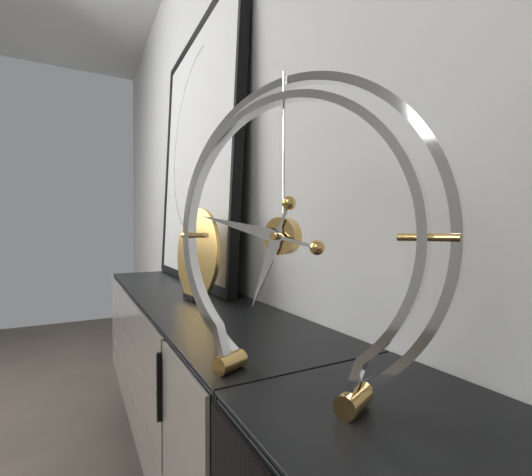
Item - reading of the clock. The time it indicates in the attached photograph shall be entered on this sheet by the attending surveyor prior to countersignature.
6:47
